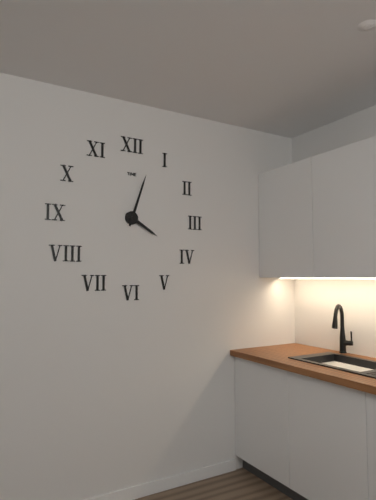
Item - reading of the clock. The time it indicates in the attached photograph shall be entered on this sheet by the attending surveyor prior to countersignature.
4:03
